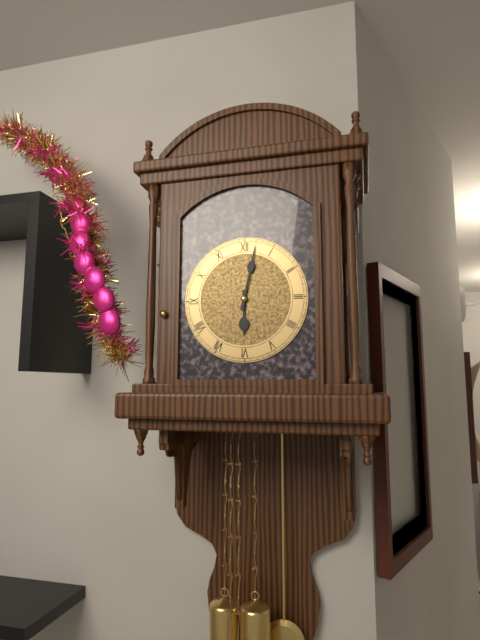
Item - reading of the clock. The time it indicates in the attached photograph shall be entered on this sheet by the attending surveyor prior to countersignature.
6:02
